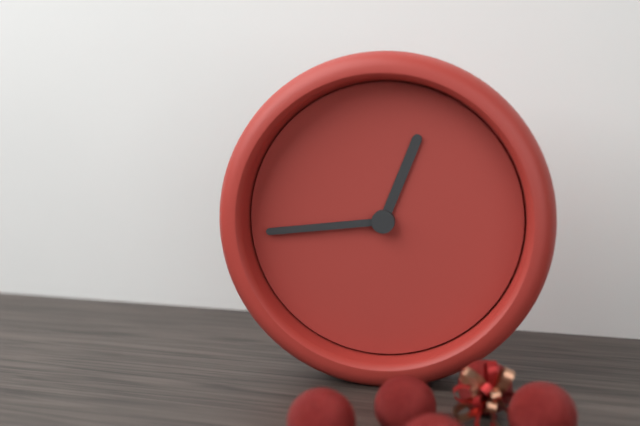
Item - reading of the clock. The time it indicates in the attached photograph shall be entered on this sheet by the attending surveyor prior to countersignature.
12:44
